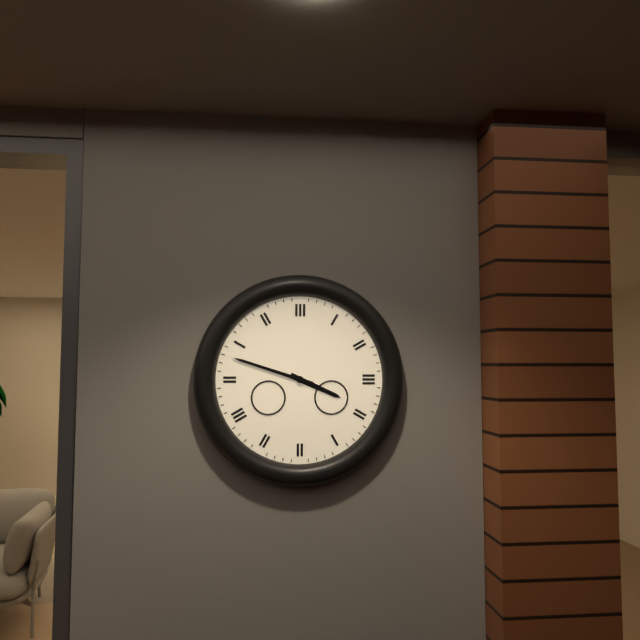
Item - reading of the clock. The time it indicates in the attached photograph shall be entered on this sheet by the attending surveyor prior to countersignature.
3:48
